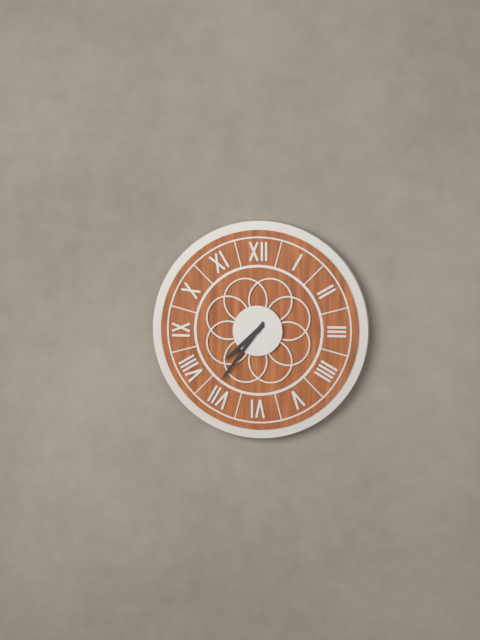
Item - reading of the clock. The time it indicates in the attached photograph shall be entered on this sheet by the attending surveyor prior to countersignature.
7:36
